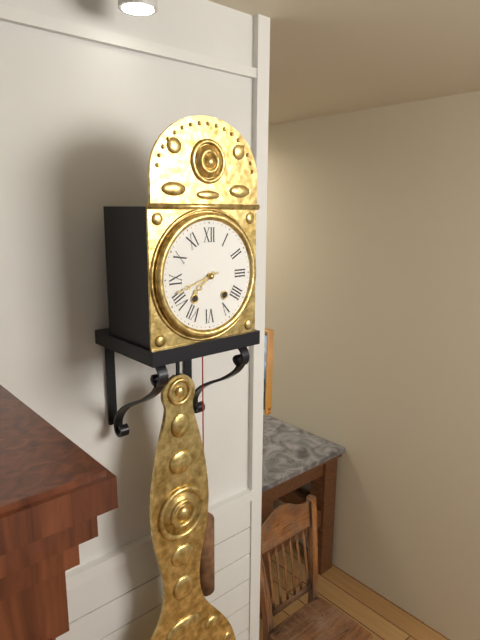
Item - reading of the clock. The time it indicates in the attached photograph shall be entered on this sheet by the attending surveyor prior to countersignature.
7:42
